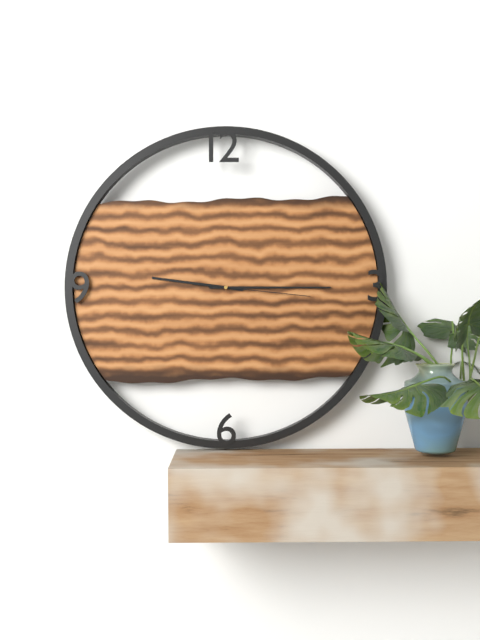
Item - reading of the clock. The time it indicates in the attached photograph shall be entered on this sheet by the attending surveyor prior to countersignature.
9:15:16
